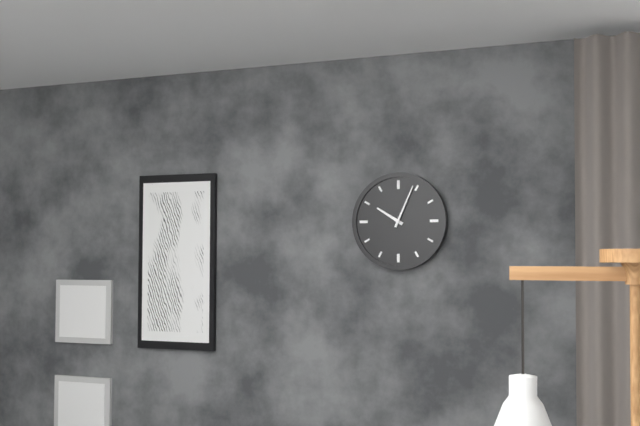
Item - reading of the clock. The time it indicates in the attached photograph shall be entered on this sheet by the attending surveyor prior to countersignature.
10:04
